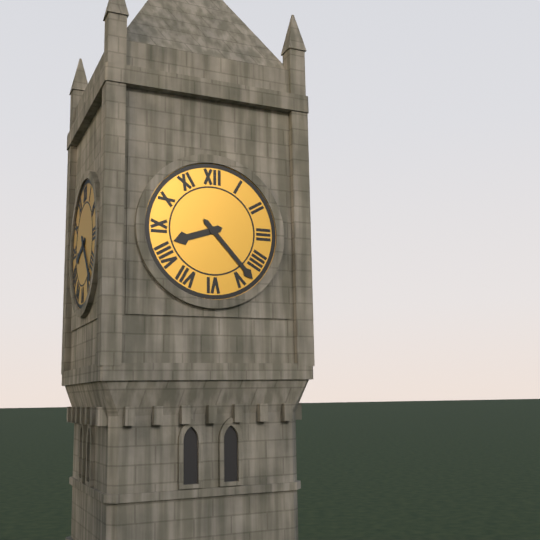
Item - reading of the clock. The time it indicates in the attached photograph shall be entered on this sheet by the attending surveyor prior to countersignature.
8:23
